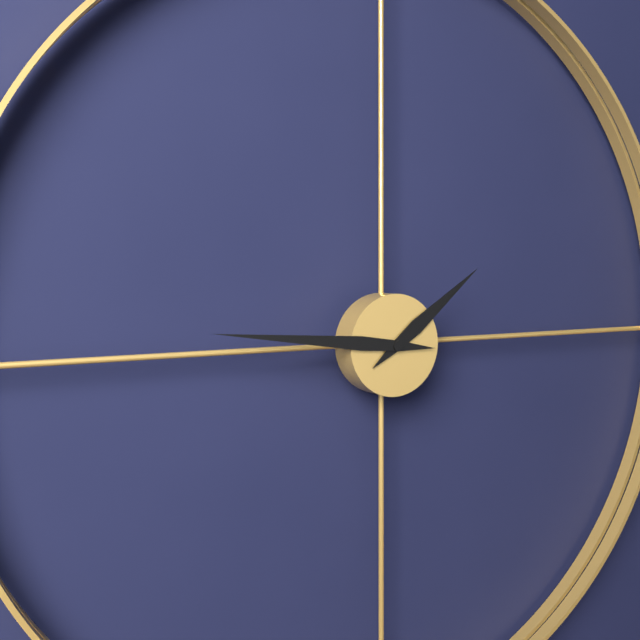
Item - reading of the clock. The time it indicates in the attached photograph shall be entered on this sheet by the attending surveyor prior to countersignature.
1:46
